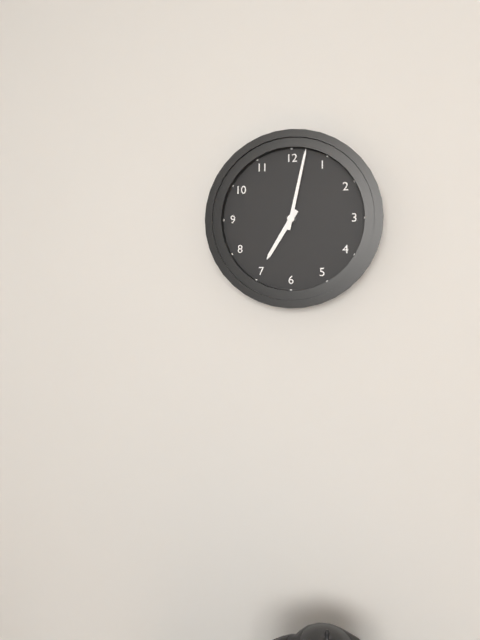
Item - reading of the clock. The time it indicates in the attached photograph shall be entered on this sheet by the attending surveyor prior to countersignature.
7:02
